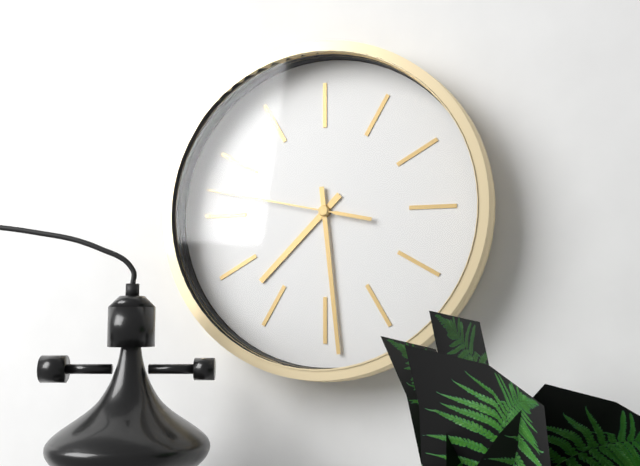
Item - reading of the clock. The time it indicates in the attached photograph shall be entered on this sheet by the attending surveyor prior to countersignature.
7:29:47
